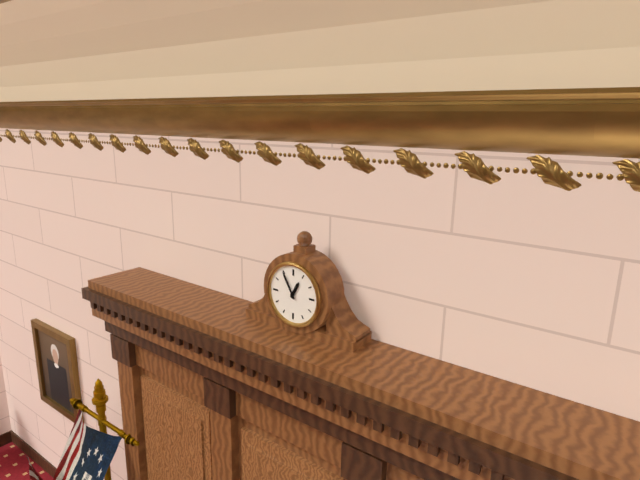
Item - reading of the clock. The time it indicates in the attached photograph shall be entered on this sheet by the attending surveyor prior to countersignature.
12:55
